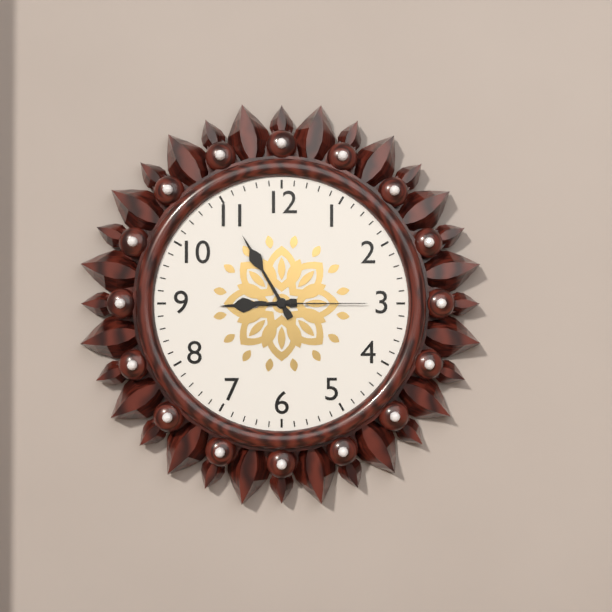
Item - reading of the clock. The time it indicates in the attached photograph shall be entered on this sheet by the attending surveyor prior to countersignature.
8:55:15
